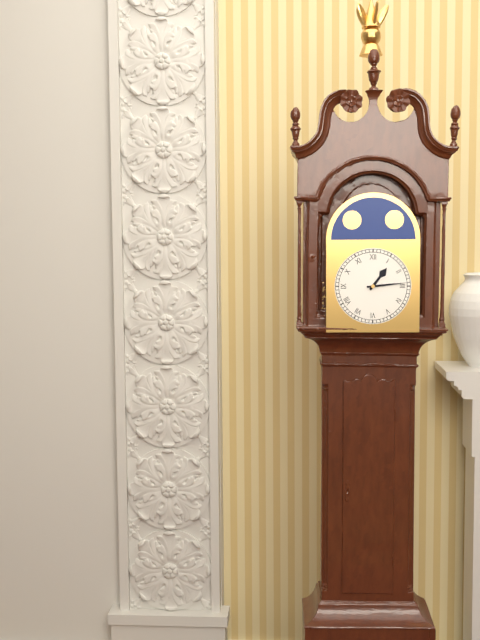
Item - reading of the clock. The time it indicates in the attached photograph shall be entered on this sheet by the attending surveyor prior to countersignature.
1:14
